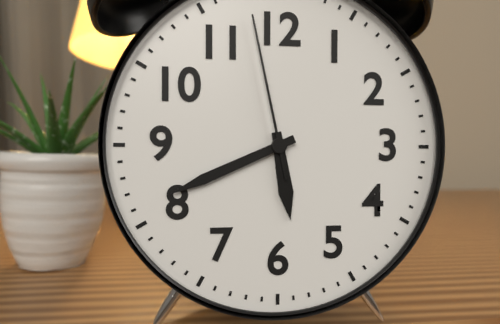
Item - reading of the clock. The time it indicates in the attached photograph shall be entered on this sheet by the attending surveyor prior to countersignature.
5:41:58
